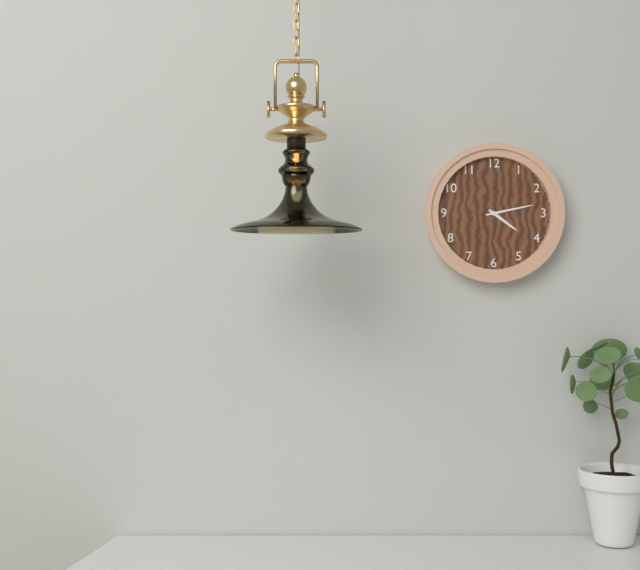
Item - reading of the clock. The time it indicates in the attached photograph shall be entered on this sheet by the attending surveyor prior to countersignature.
4:13
